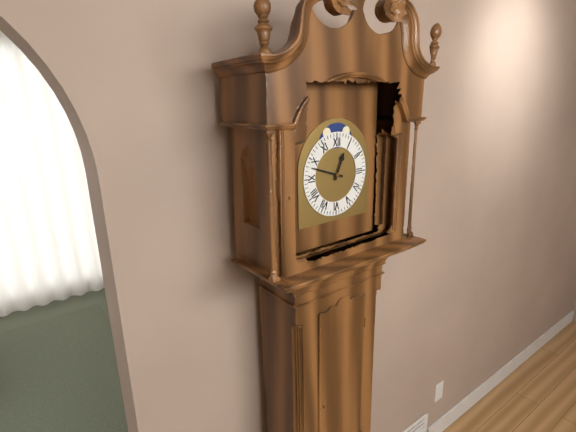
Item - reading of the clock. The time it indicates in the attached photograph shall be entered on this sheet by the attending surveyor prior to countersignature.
12:48
